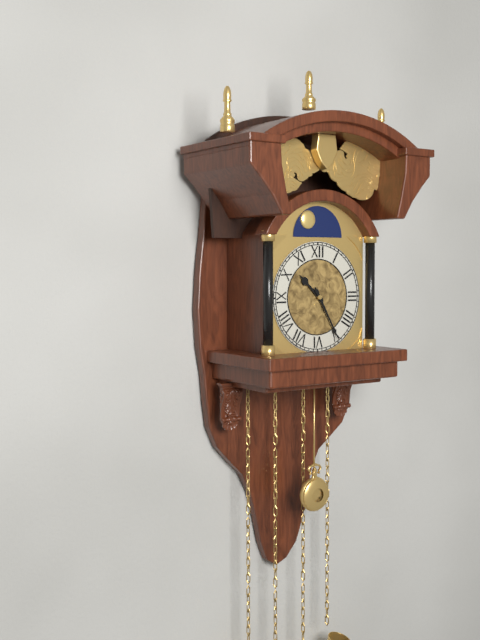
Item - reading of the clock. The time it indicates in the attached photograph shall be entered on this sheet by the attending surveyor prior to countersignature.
10:25
